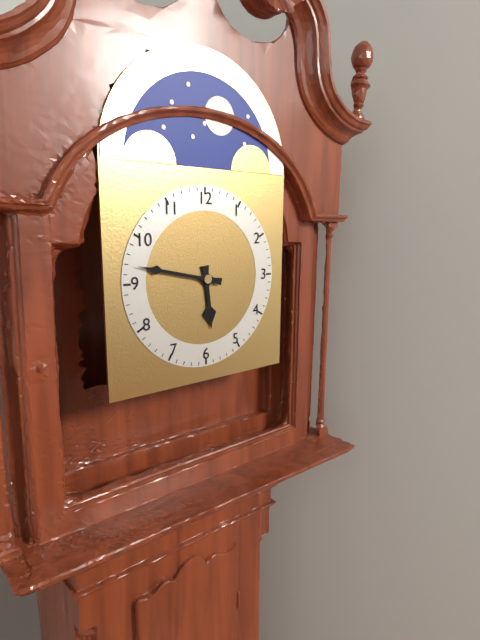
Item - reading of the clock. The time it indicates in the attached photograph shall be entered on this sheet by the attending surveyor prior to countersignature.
5:47
